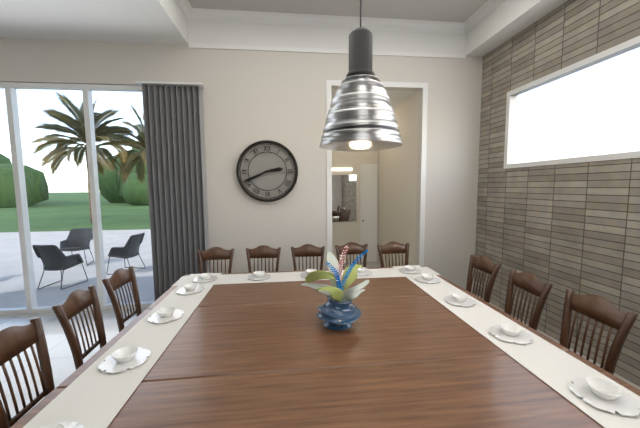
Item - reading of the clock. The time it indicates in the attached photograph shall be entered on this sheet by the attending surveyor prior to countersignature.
2:41
